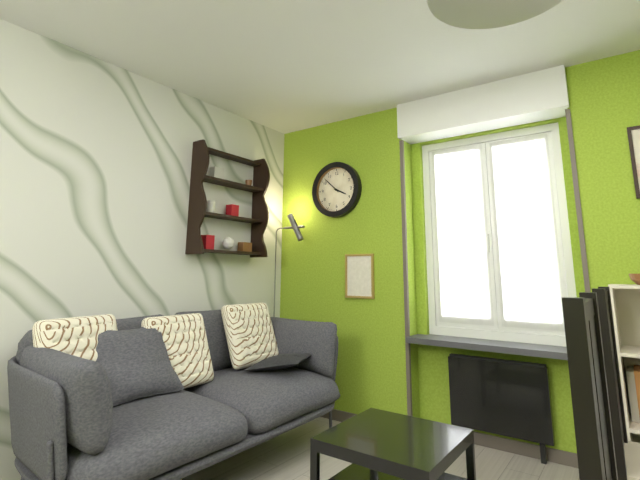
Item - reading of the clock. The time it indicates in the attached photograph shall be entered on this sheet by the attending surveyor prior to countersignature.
3:52
